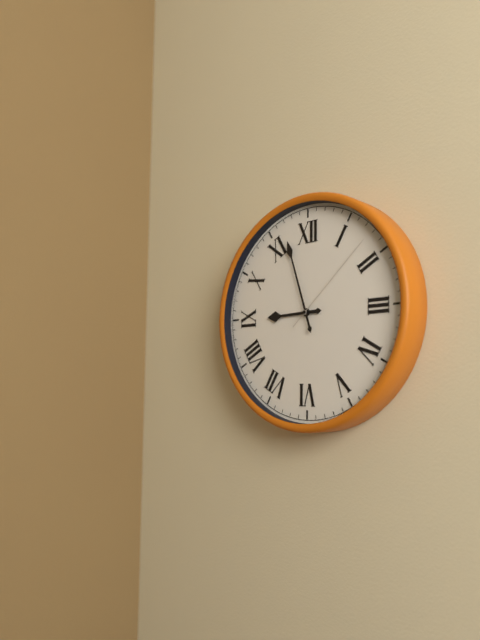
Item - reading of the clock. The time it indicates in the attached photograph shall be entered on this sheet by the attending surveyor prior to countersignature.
8:57:08
